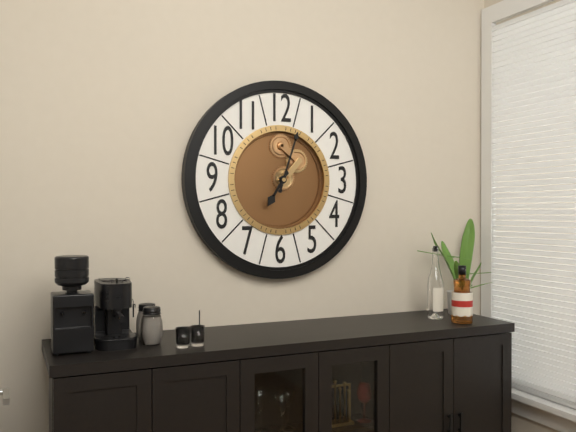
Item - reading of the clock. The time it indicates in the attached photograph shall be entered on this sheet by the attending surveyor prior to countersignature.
7:03
